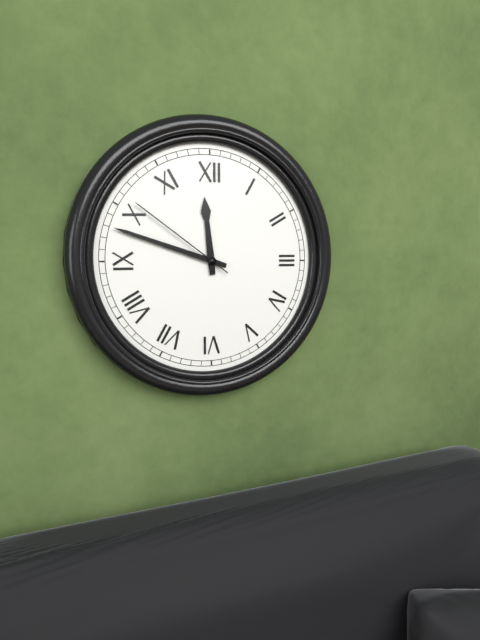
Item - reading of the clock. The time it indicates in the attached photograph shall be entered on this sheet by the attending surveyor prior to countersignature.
11:48:51
